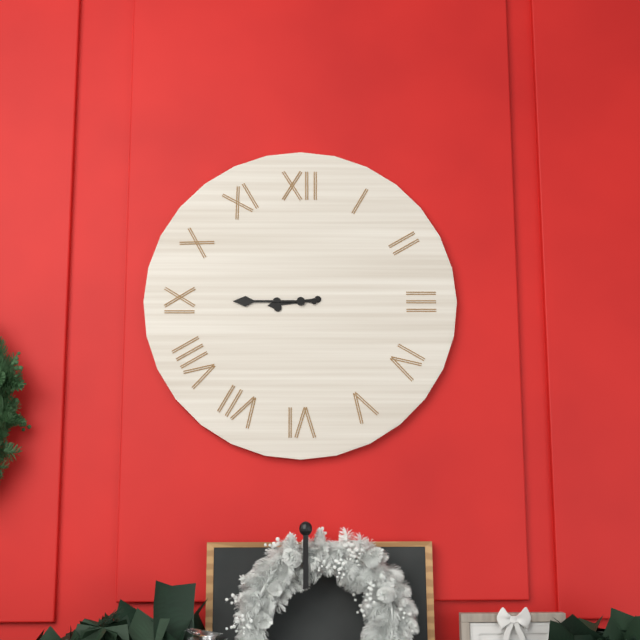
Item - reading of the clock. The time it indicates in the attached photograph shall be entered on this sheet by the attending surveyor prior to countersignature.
8:45
